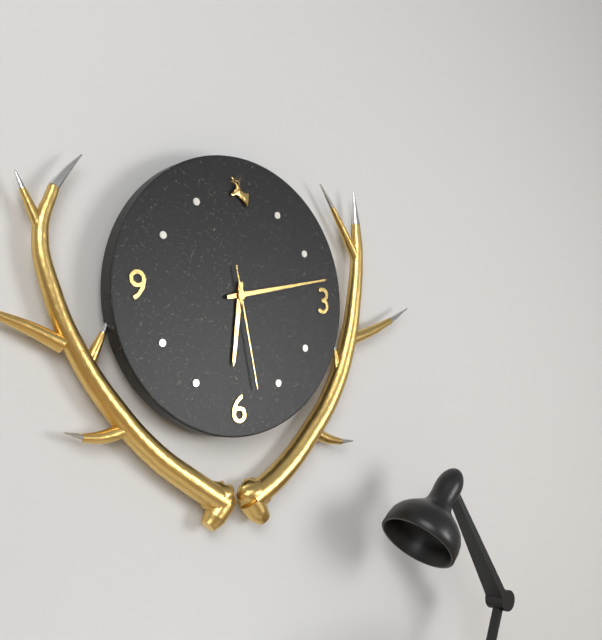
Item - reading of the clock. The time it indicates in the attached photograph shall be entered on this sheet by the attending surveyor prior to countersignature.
6:13:28
